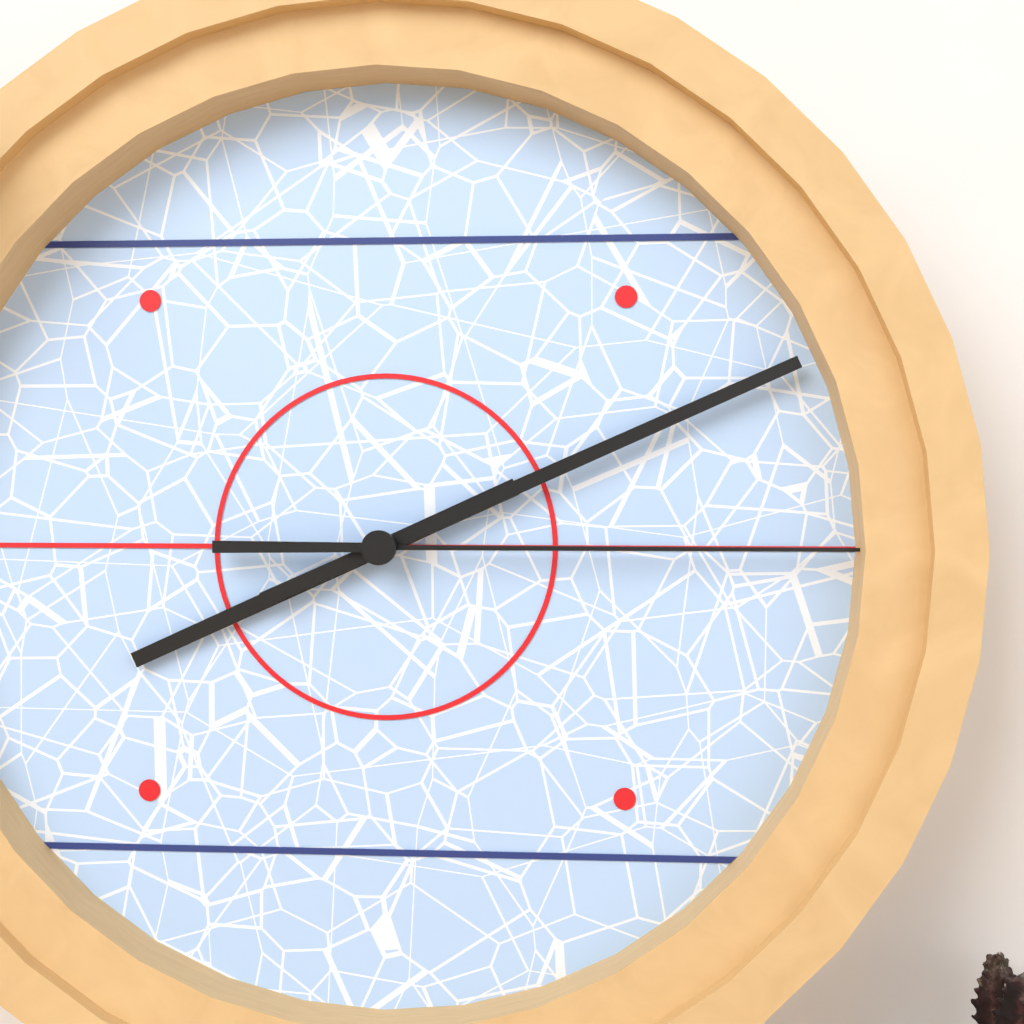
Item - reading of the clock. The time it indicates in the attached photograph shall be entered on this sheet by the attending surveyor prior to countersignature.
8:11:15
